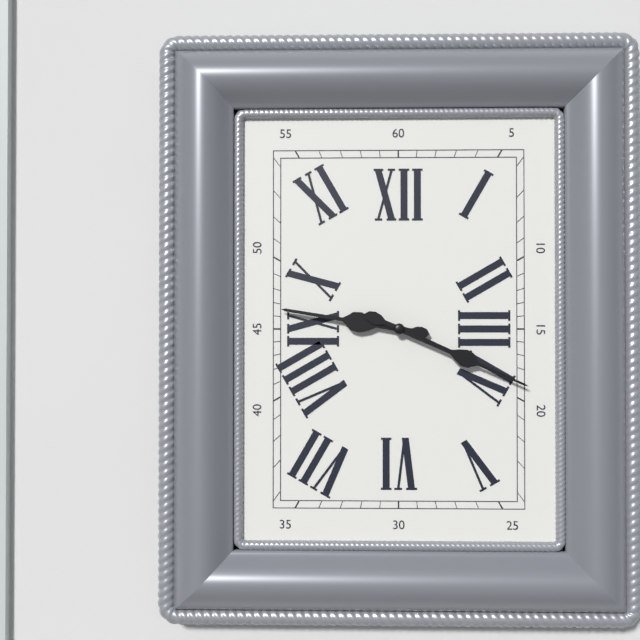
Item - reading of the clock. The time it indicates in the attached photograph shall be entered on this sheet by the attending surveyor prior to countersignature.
9:19
